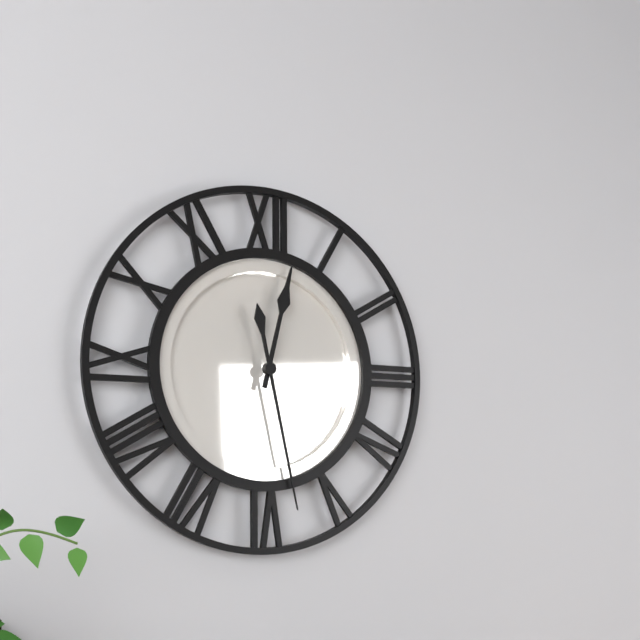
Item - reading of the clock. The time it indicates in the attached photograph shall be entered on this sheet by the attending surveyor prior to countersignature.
12:28
